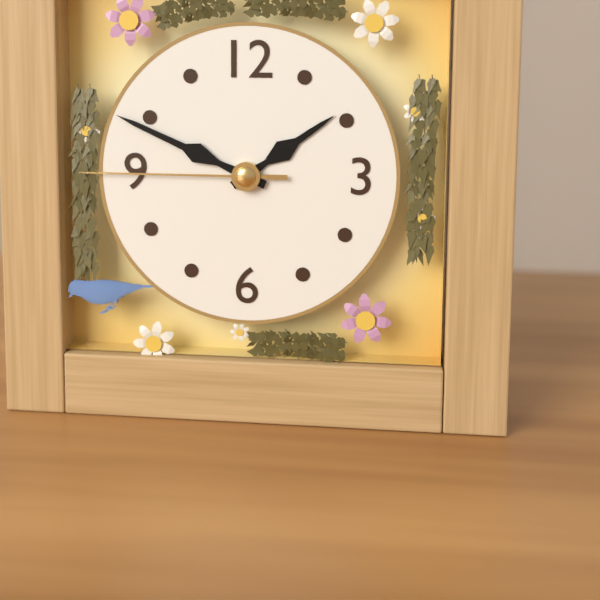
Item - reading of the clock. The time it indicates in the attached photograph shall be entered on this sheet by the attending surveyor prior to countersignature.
1:49:45
